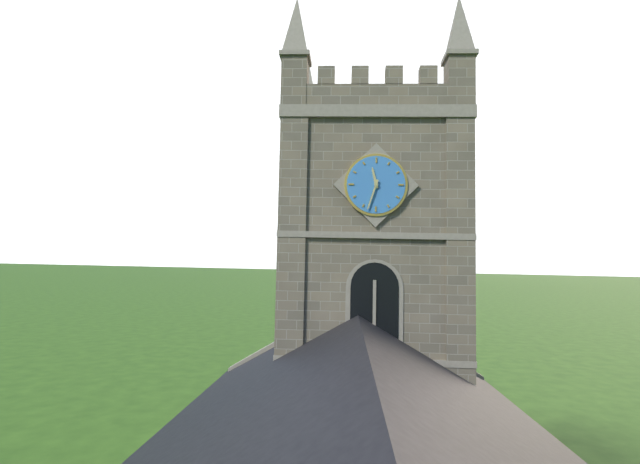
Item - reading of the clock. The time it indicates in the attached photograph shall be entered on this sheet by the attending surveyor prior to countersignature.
11:33
